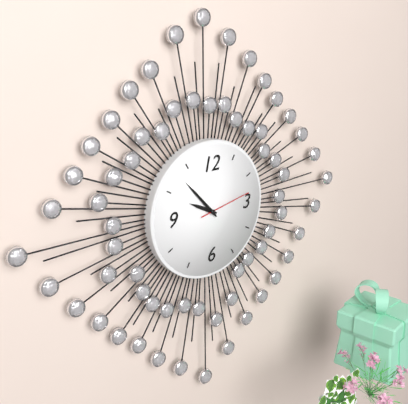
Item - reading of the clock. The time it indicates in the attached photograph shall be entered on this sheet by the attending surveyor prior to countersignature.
9:53:13
